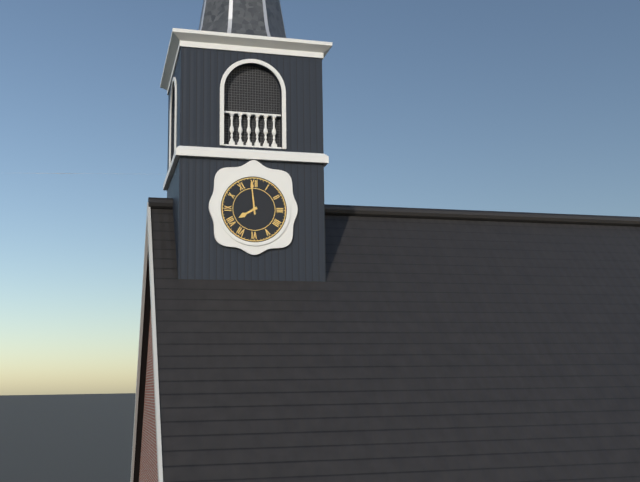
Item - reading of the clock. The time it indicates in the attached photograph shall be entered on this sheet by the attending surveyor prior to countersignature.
7:59
